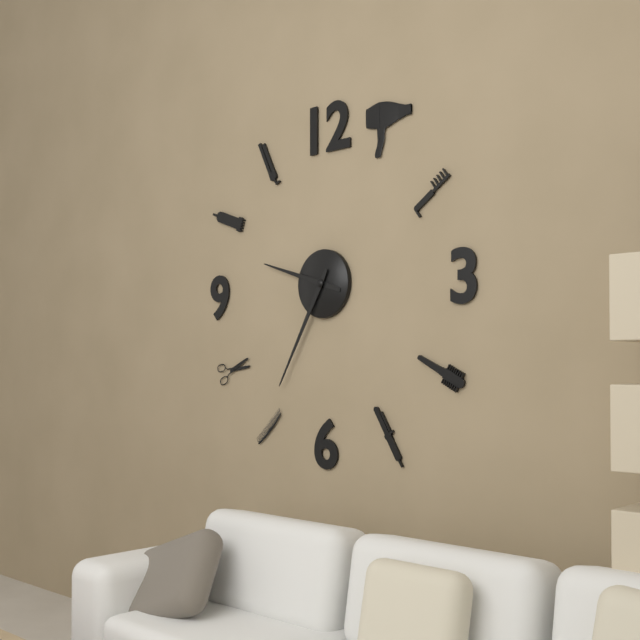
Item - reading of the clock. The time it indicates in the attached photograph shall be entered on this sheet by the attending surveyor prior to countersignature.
9:35
